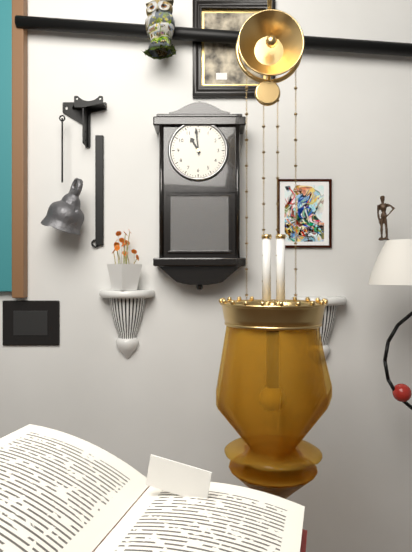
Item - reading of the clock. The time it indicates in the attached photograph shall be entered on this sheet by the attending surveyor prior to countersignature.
10:59
